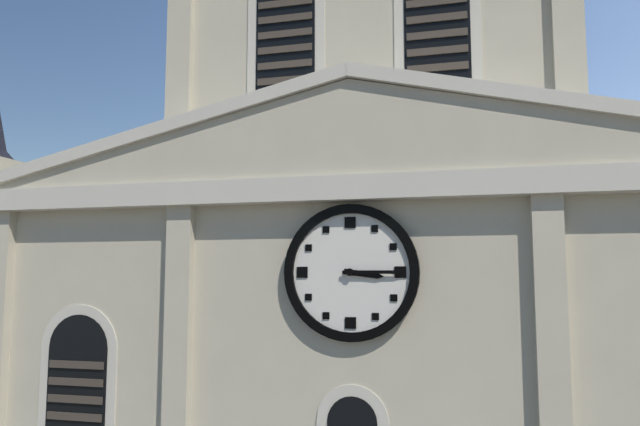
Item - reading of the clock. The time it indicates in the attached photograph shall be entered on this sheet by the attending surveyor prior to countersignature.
3:15
